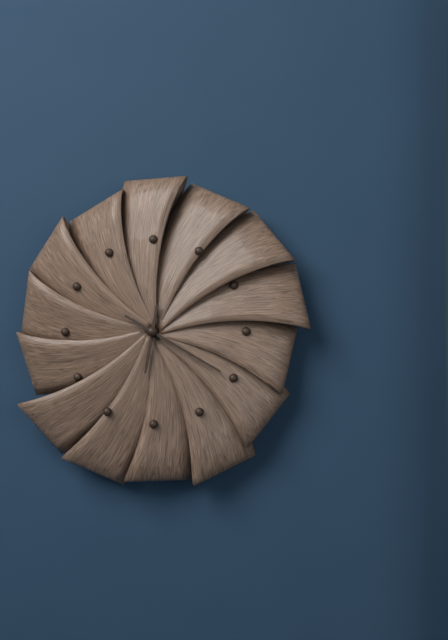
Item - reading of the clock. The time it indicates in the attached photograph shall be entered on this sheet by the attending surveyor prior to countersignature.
6:20
